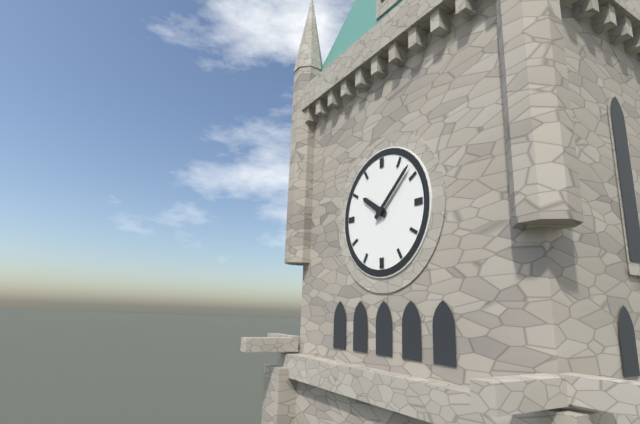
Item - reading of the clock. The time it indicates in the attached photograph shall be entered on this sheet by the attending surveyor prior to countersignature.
10:08
